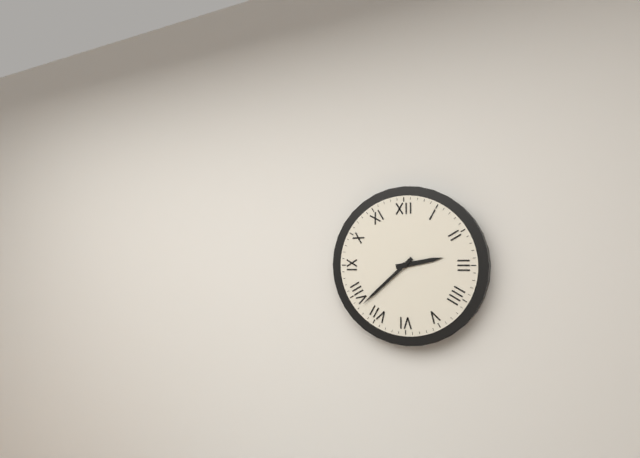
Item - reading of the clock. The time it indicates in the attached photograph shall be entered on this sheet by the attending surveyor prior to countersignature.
2:38
